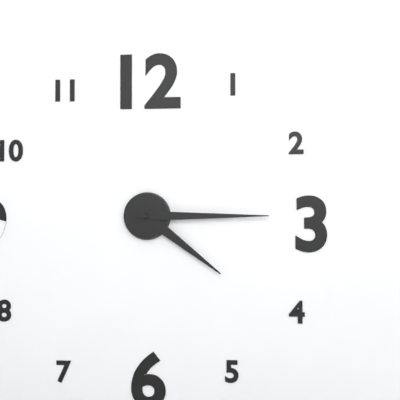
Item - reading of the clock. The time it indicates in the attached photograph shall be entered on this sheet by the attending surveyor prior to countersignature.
4:15
